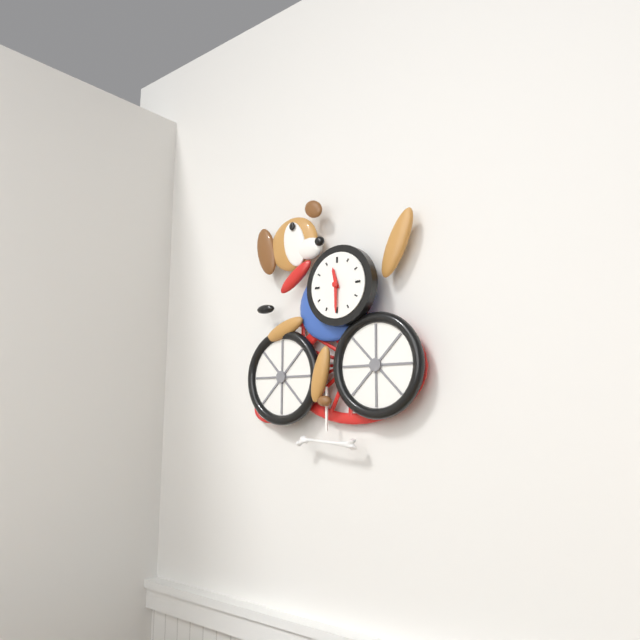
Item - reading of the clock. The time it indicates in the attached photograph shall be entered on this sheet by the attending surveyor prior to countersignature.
11:30
